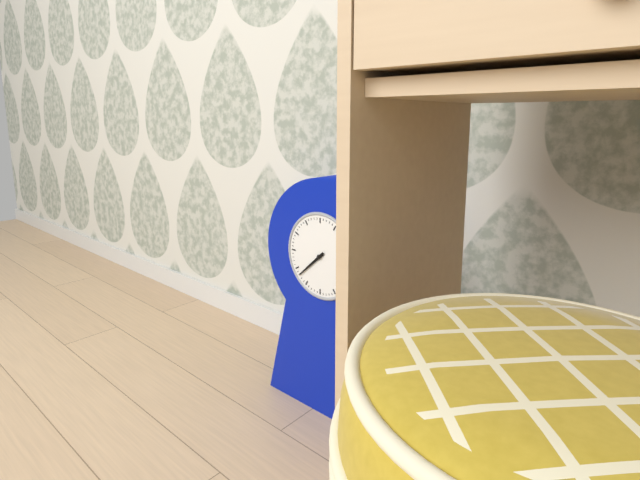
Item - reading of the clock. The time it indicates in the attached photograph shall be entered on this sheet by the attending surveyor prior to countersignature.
7:38
